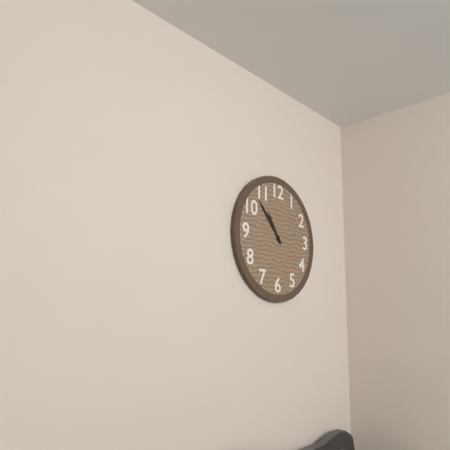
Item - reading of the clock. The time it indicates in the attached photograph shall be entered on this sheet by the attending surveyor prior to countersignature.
10:53
